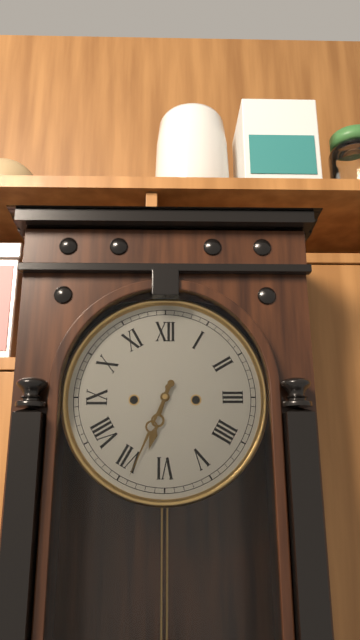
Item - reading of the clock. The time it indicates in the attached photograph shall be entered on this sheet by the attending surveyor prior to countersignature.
6:34
